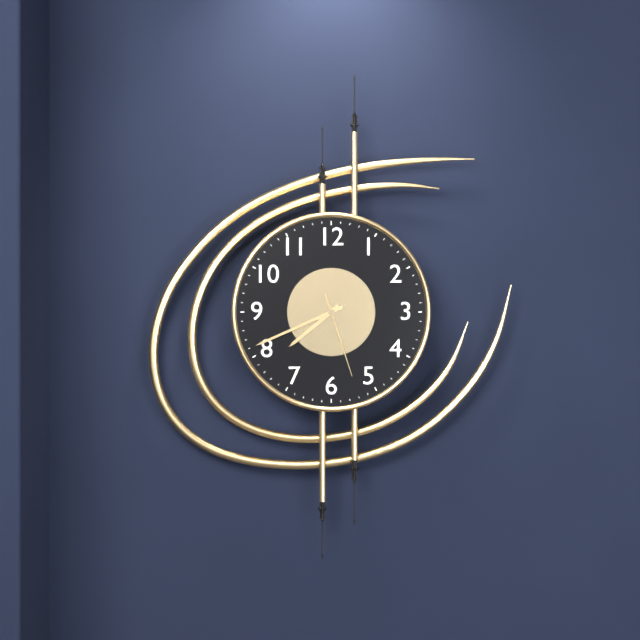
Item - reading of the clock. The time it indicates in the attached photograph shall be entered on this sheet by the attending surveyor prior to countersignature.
7:41:27
